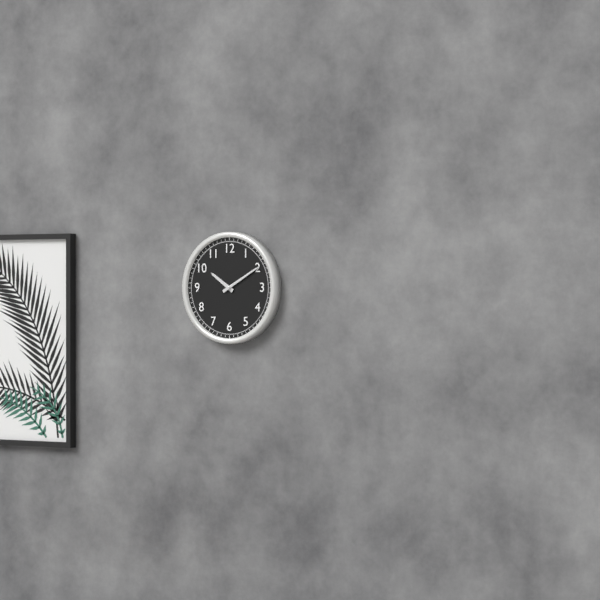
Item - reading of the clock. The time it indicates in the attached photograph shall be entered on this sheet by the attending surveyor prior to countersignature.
10:10
